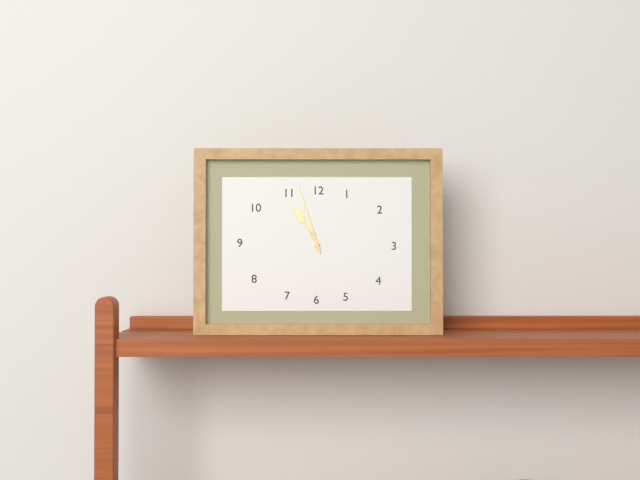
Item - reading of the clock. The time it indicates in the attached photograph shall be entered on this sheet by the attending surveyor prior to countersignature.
10:57
